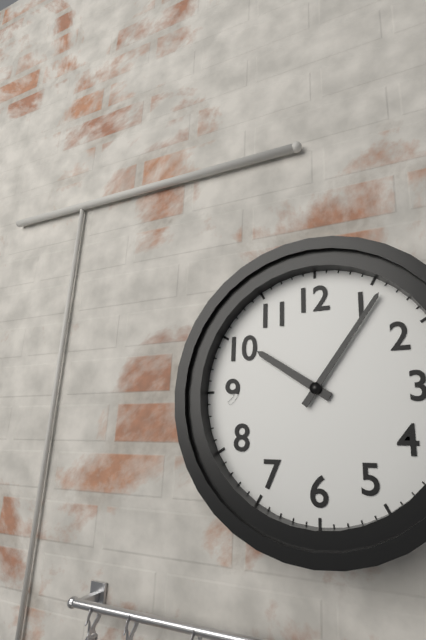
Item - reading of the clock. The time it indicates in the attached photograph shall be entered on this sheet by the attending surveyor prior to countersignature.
10:06
